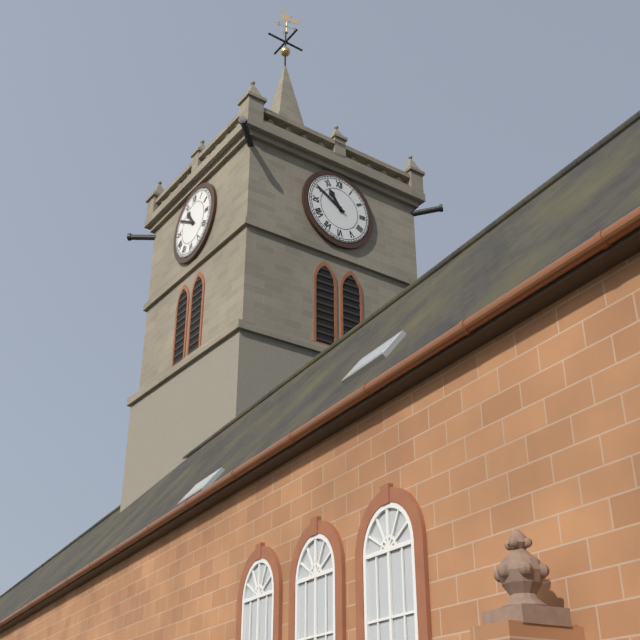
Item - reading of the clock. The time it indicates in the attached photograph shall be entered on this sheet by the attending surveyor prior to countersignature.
10:50
